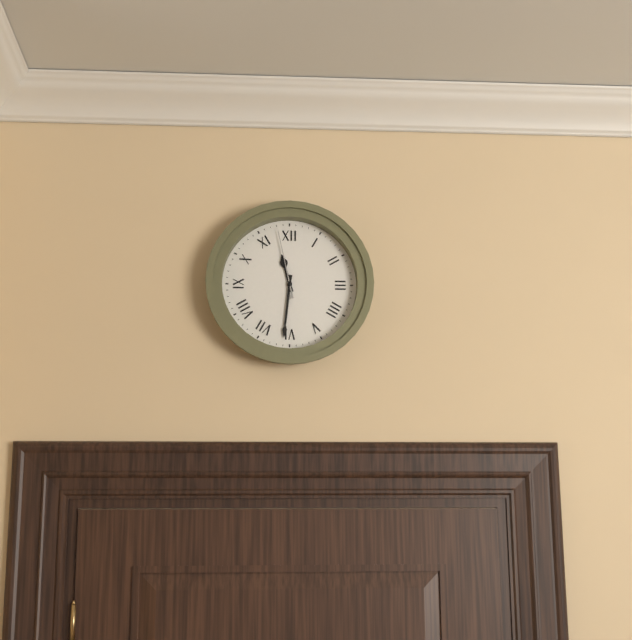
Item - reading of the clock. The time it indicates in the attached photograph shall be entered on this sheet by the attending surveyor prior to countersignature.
11:31:58
